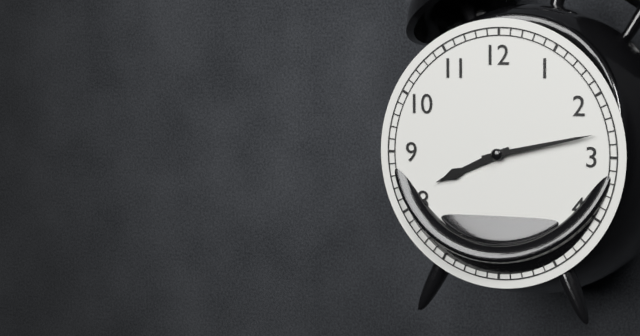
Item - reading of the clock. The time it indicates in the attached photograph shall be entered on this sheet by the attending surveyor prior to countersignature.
8:13
